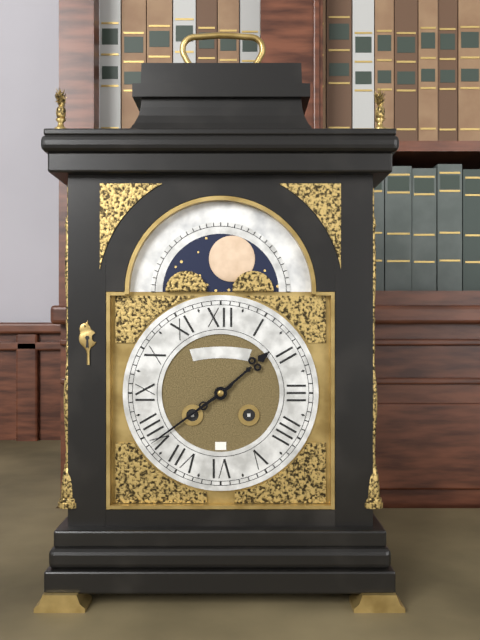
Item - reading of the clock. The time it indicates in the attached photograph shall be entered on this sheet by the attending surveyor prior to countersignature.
1:39
